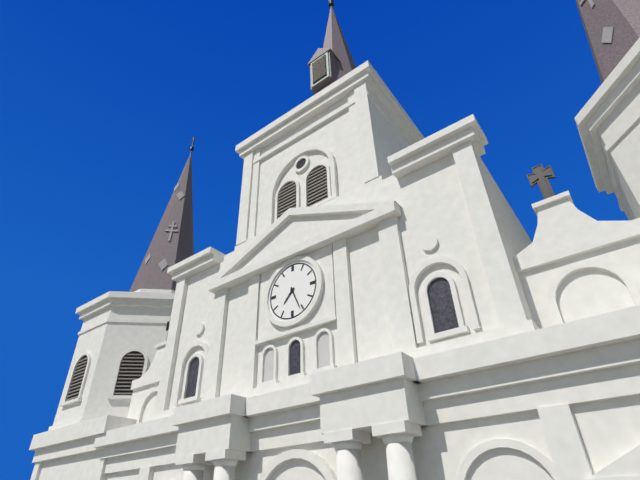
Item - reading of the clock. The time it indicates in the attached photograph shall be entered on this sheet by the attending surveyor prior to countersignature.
7:26
